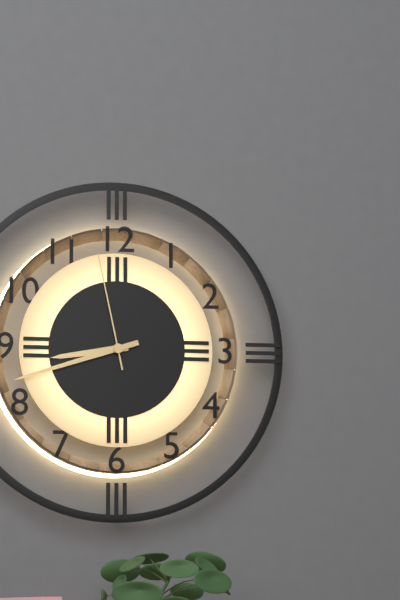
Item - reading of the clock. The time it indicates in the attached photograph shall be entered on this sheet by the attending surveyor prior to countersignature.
8:42:58
